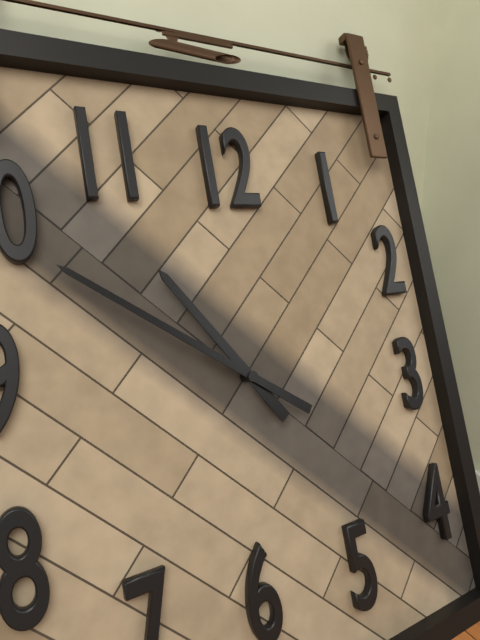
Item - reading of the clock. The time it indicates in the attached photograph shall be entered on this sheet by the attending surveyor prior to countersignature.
10:51
